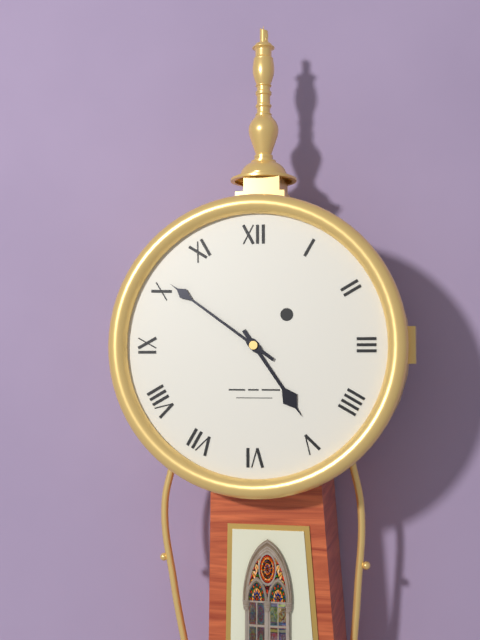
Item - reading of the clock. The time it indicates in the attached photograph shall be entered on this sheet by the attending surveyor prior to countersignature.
4:51
